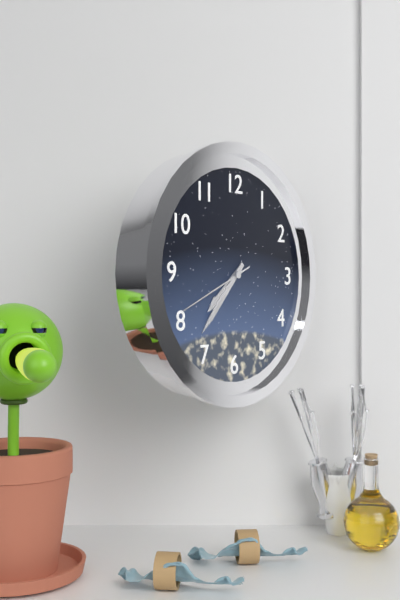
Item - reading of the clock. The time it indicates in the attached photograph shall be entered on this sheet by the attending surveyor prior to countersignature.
7:37:41
